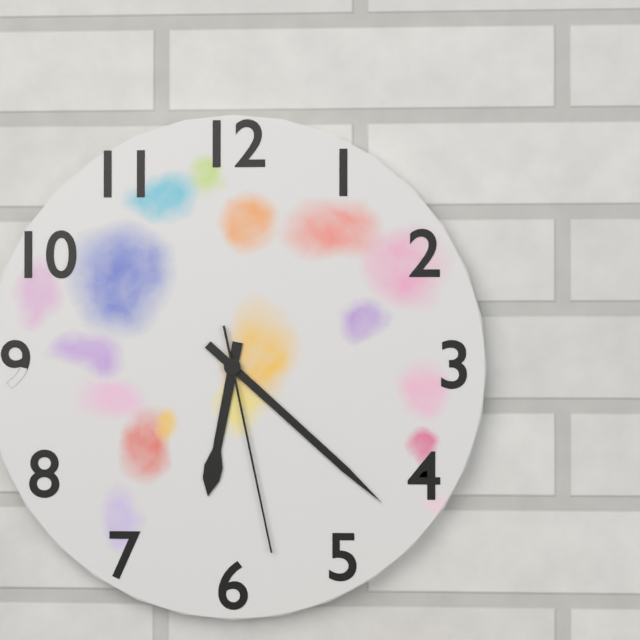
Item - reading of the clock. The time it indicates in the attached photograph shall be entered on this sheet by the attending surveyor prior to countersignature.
6:22:28
